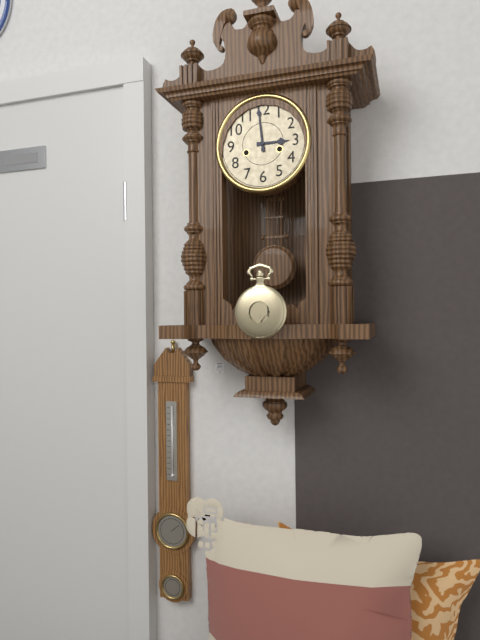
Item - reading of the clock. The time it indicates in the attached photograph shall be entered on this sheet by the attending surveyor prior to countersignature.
2:59
